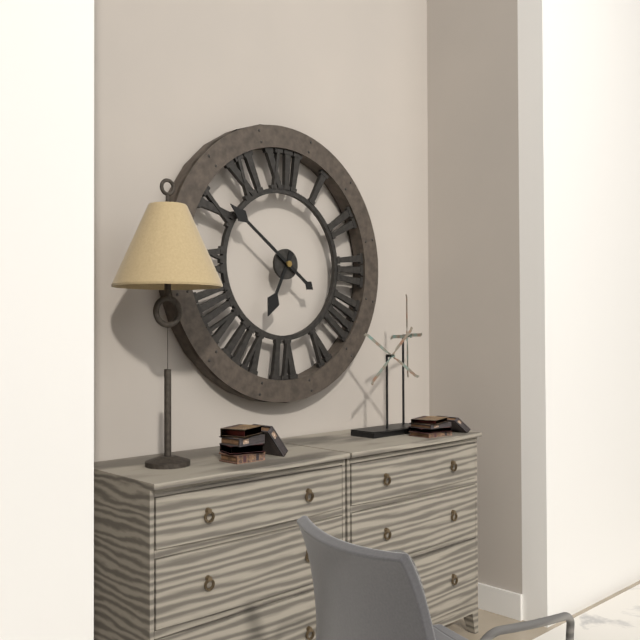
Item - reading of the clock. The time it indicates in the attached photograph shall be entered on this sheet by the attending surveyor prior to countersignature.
6:51
